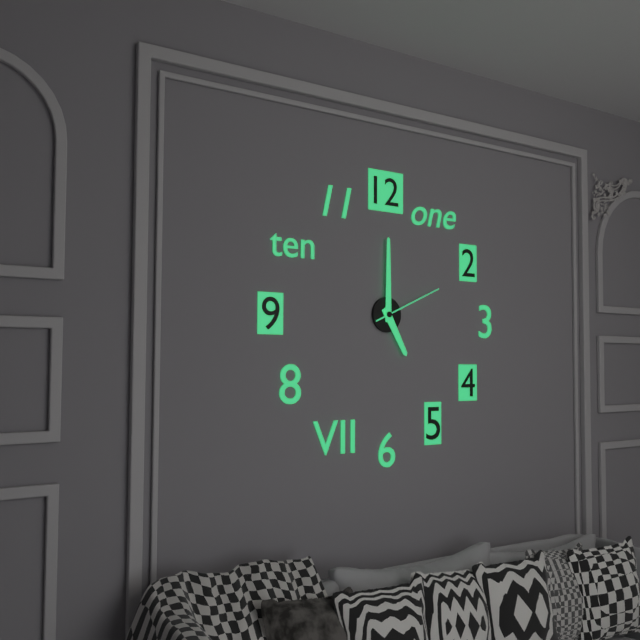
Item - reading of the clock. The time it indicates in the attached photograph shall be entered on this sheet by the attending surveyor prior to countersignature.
5:00:11
